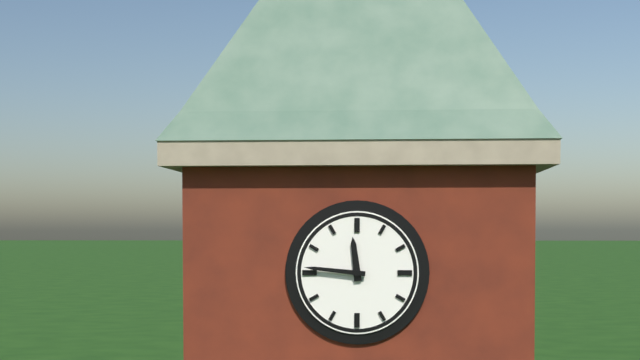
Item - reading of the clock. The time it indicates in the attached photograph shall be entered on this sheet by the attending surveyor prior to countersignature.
11:46
